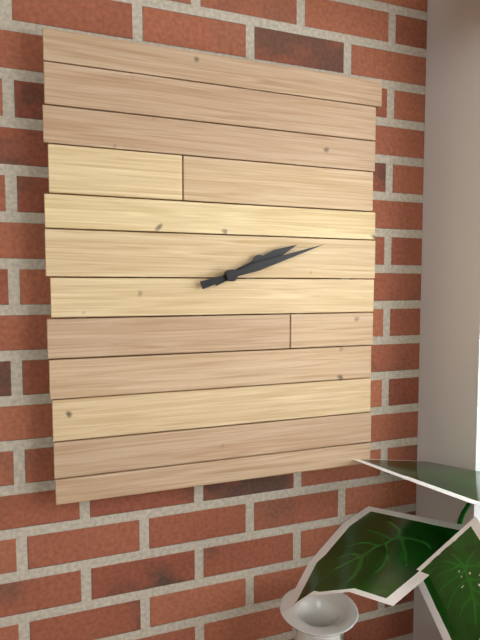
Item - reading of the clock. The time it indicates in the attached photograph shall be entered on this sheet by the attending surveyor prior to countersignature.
2:12
